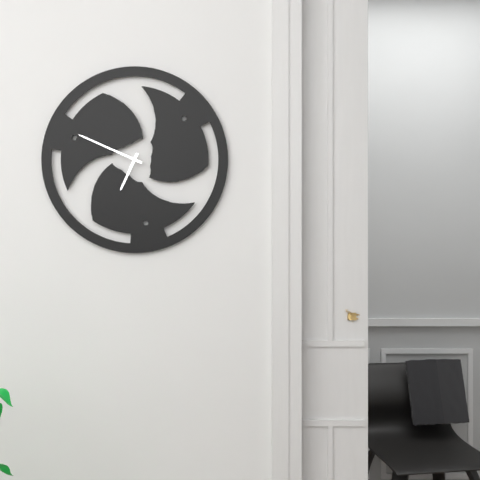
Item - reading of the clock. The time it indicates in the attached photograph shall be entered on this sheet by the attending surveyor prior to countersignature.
6:49
